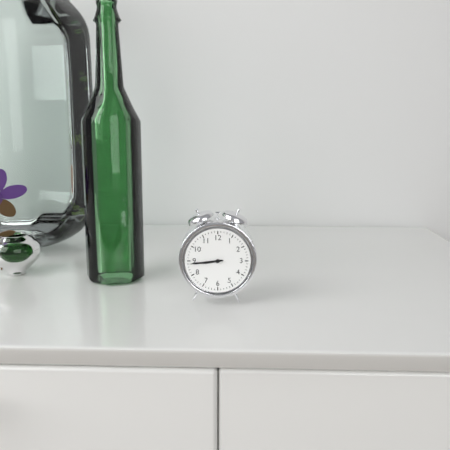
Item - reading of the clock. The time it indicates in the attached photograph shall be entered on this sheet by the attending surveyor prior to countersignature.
8:44
